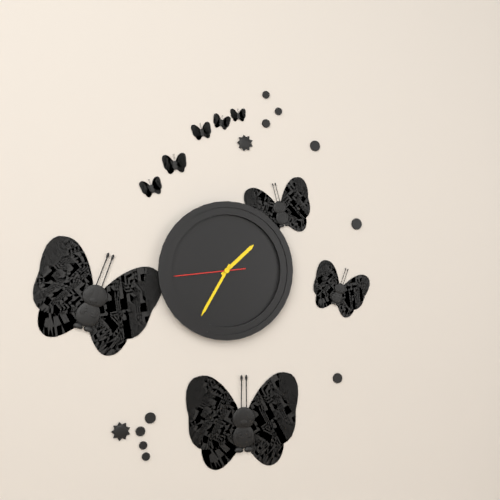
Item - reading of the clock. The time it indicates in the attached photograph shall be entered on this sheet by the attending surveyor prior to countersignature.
1:35:44
